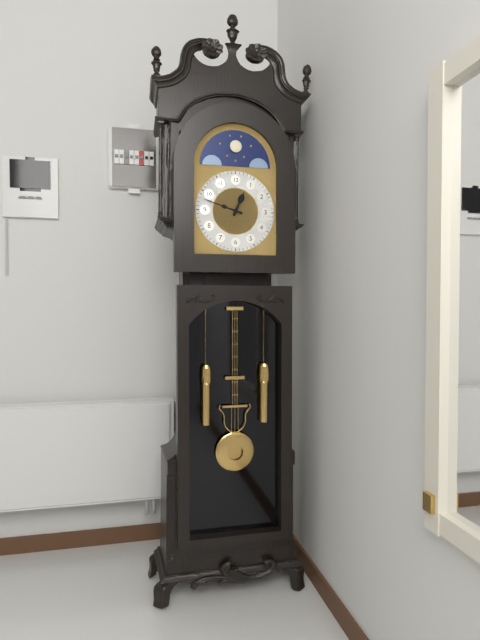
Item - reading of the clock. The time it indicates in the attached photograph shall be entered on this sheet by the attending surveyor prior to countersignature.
12:48
